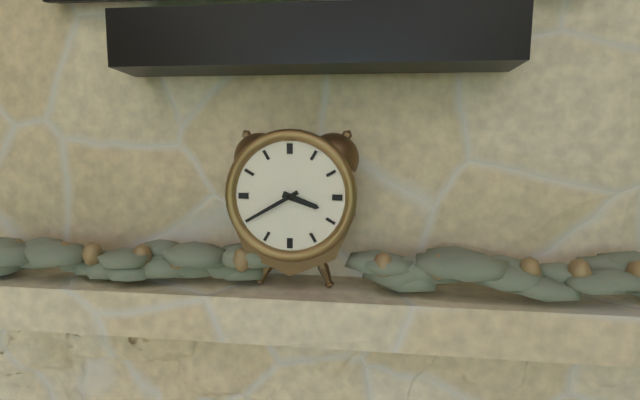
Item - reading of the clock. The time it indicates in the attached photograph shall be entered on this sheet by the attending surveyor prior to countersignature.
3:40
